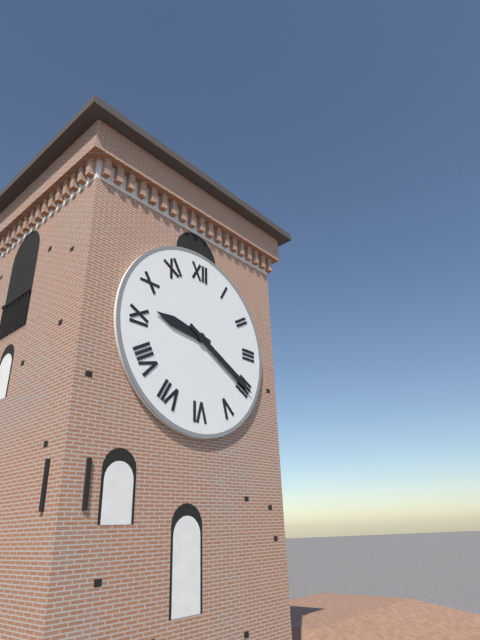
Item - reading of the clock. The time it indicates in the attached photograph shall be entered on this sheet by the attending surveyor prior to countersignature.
9:20
